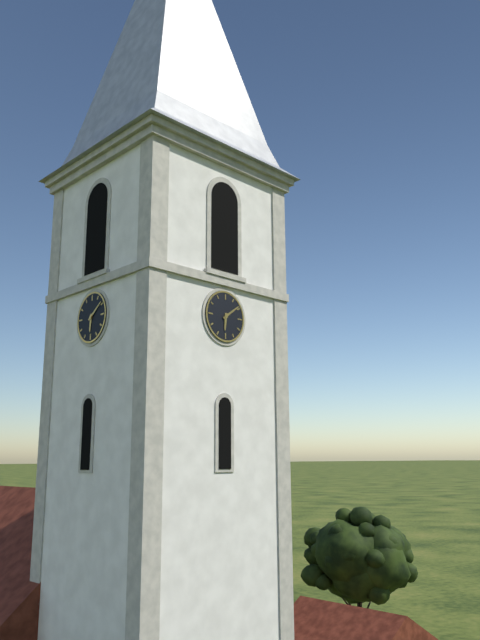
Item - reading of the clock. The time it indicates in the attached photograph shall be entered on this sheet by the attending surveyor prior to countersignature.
6:09
